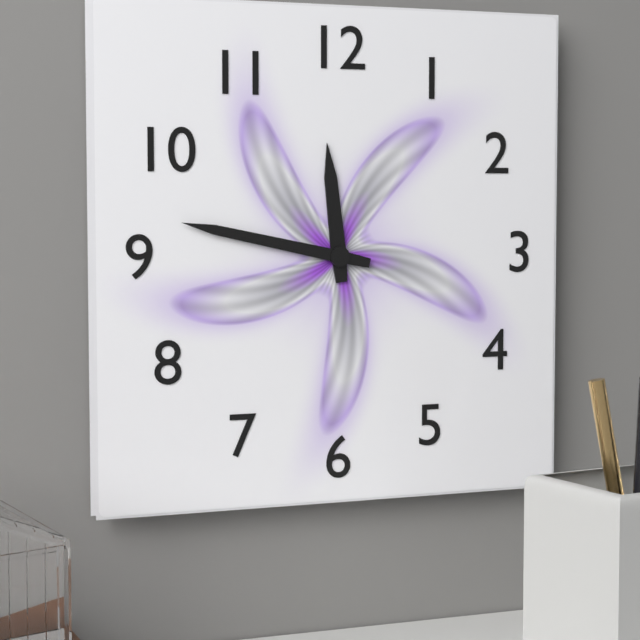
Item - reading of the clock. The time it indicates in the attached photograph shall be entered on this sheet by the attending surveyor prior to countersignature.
11:47
